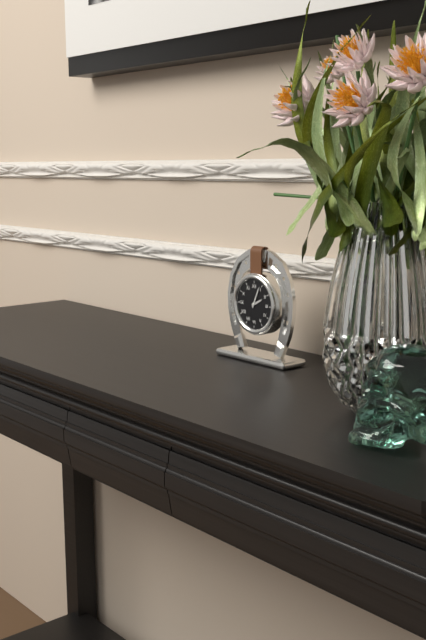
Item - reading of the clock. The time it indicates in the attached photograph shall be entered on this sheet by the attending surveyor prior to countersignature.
2:04
